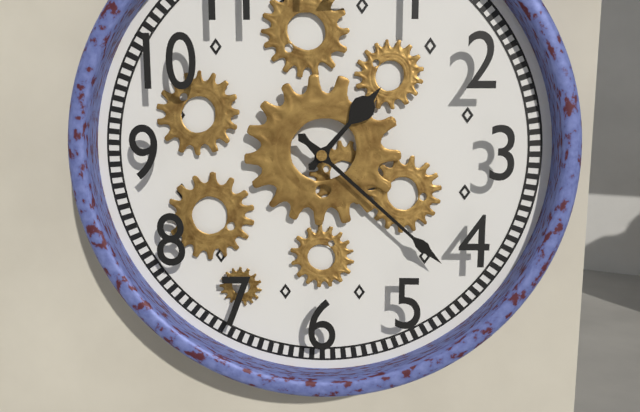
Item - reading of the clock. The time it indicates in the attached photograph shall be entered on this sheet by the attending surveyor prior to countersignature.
1:22
